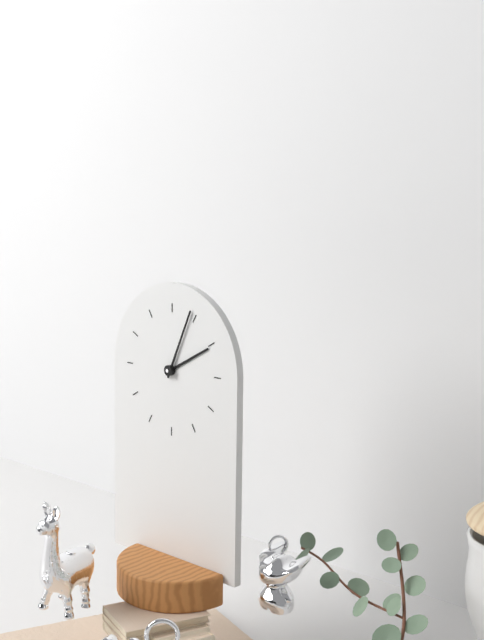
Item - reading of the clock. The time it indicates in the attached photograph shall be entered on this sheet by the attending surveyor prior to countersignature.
2:04
